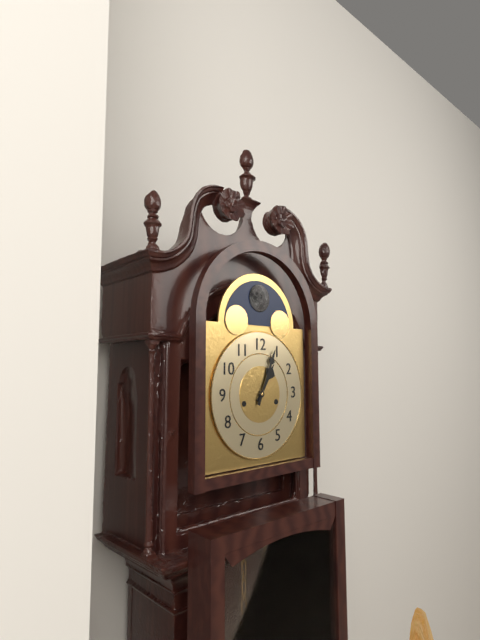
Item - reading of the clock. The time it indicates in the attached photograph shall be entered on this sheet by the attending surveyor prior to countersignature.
1:04
